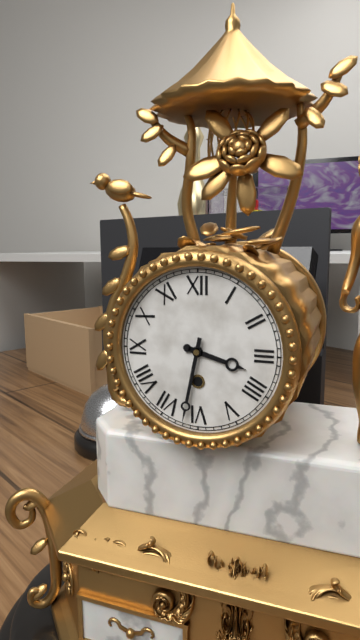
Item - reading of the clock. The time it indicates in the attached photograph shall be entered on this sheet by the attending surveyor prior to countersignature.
3:32
